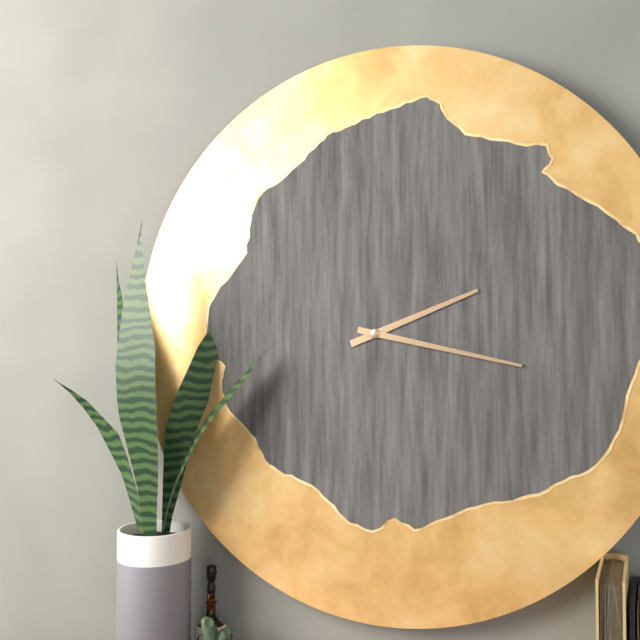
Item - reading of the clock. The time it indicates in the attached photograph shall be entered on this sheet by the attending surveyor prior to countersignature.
2:17
